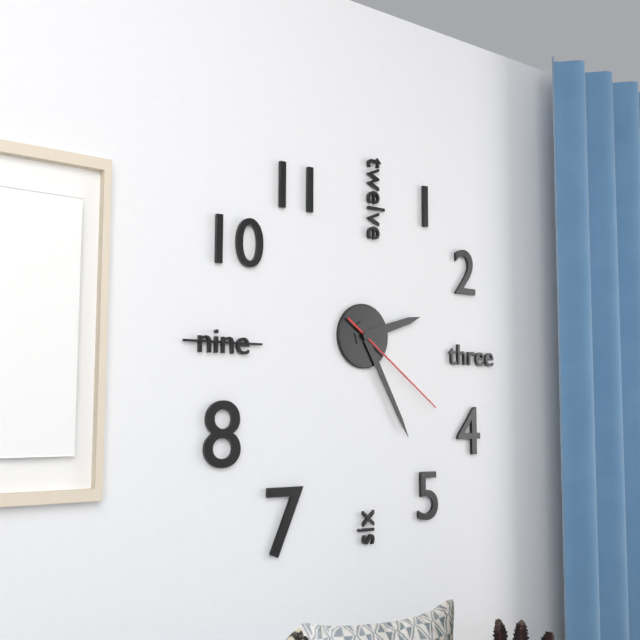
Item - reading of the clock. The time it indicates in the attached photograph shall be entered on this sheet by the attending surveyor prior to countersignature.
2:25:21
